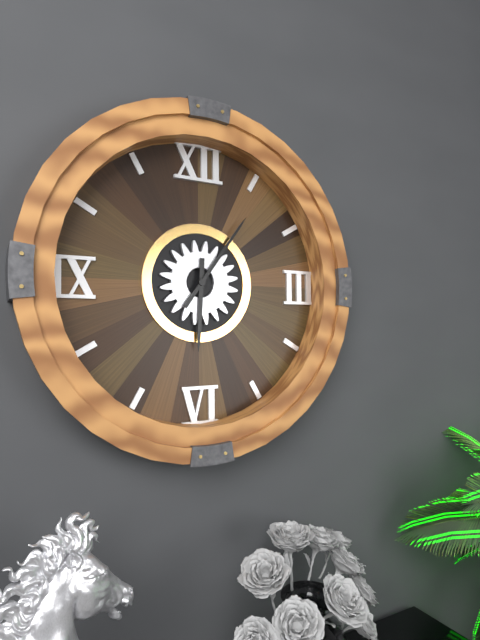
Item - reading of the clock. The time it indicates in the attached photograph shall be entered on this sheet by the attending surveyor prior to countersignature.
6:06
